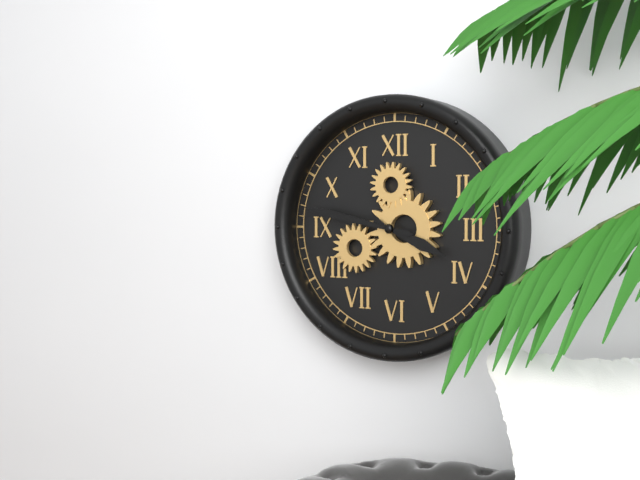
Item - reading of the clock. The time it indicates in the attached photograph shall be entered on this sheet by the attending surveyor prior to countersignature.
3:47
